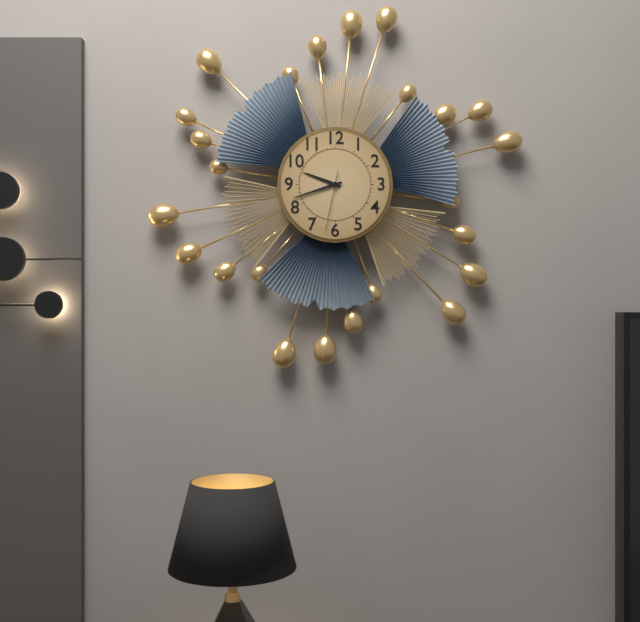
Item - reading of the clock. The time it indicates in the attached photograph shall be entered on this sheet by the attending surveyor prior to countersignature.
9:42:32
